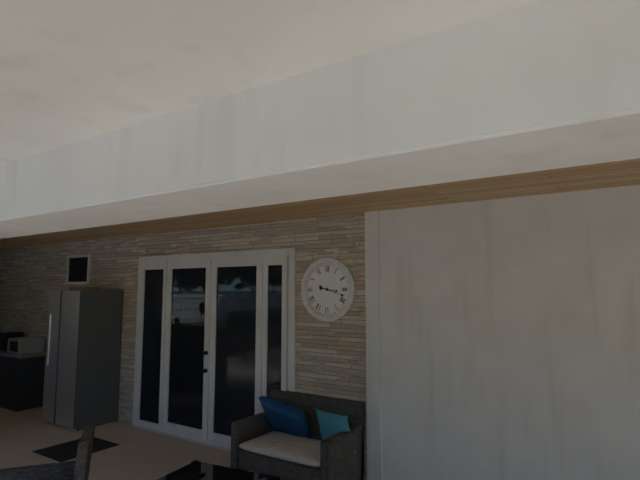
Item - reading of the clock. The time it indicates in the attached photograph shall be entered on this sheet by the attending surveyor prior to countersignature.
3:18
